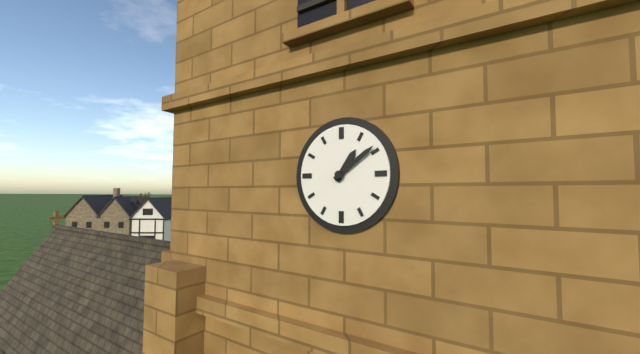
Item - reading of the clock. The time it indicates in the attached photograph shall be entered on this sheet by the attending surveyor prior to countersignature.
1:09
